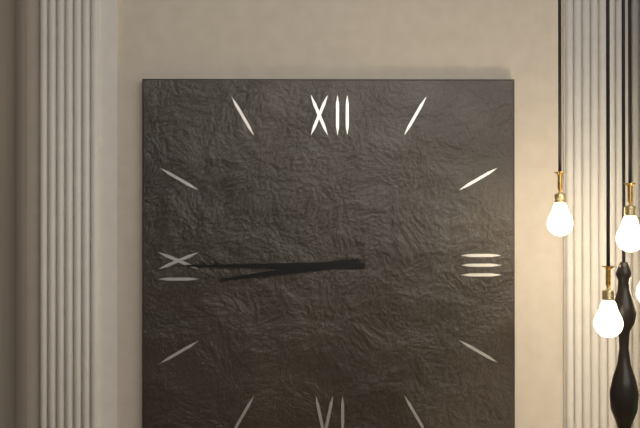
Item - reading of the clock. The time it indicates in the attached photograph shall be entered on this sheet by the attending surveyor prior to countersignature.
8:45
